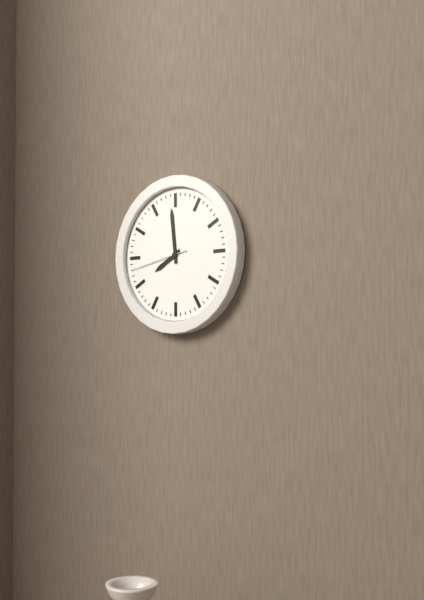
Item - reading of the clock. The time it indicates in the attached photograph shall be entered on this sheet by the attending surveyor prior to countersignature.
7:59:43
